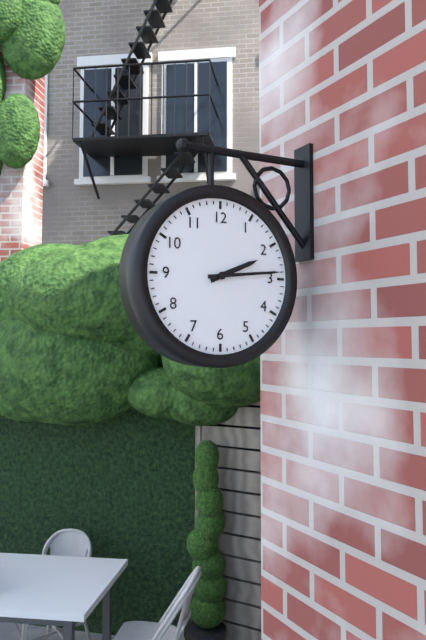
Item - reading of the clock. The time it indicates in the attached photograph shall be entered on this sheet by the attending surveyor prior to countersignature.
2:14
